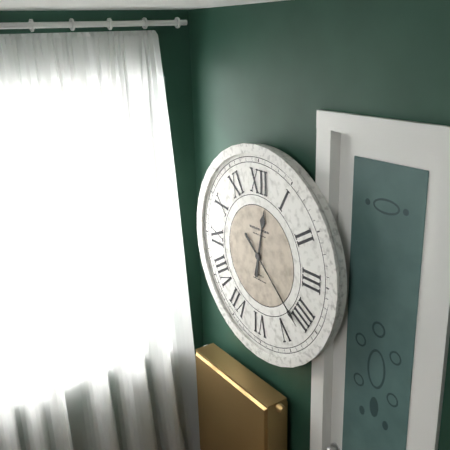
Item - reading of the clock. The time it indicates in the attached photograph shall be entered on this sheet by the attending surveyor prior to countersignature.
12:22
